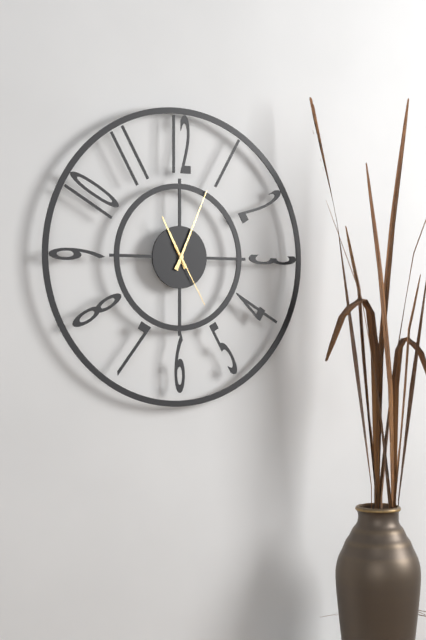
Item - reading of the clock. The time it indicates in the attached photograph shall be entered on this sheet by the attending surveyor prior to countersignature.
11:04:25
